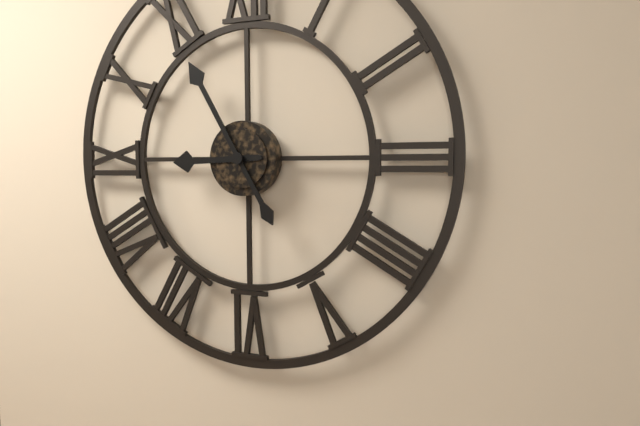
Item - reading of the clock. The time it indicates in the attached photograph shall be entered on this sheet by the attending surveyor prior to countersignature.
8:55
